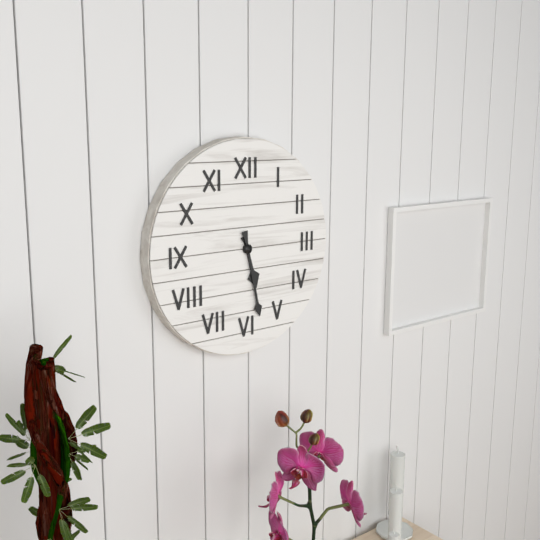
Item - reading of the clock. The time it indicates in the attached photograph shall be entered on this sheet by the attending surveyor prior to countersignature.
5:28
